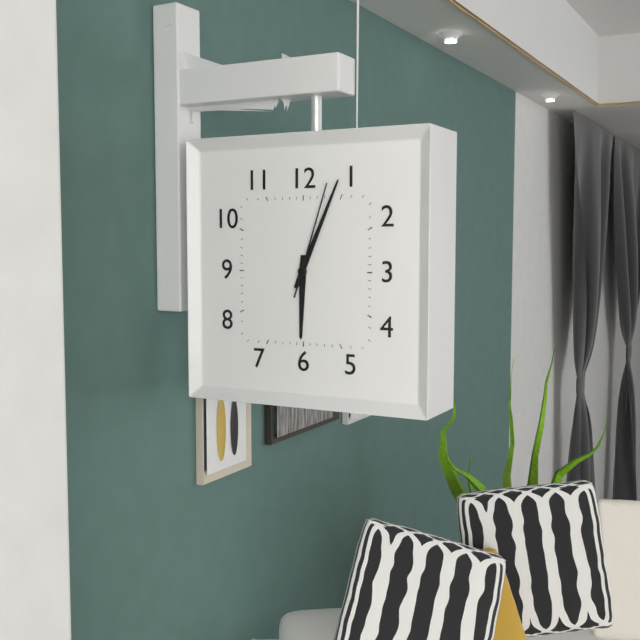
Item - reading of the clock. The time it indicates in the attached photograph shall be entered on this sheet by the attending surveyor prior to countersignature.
6:04:03
